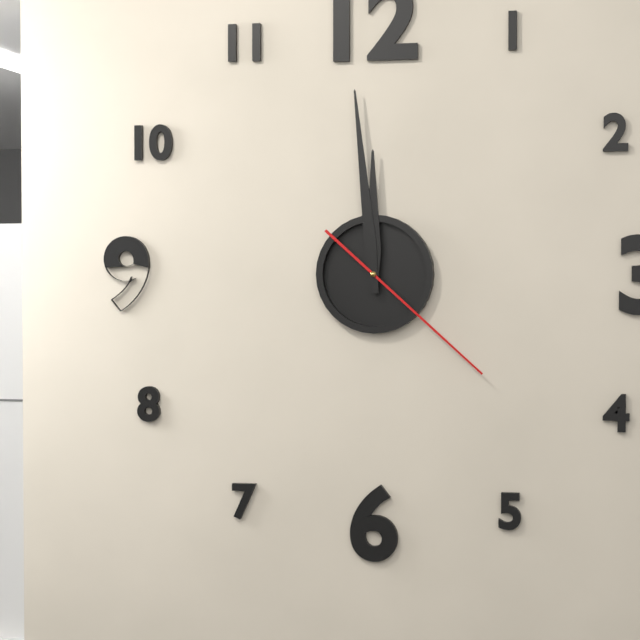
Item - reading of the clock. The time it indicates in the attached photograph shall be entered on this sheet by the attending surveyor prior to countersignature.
11:59:22
